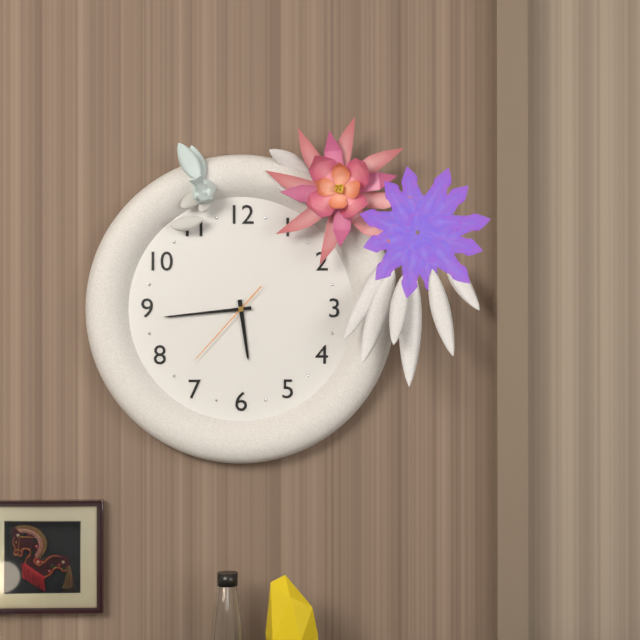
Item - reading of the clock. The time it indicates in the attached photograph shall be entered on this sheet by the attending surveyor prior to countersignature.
5:44:37
